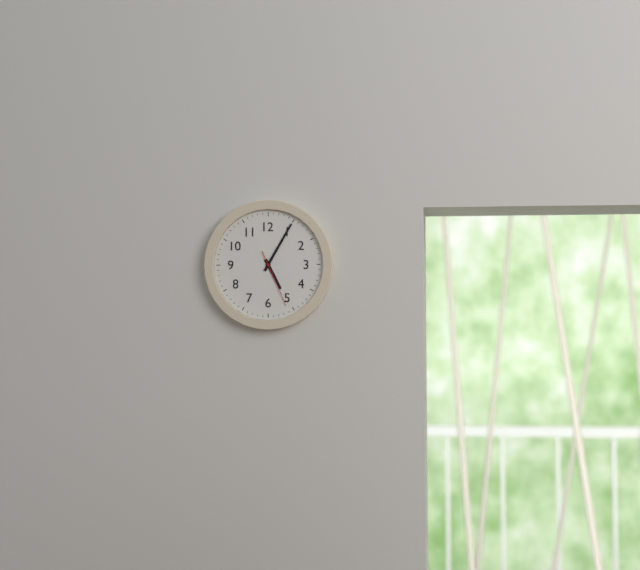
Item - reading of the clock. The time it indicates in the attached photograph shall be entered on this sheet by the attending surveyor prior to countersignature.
5:05:26
